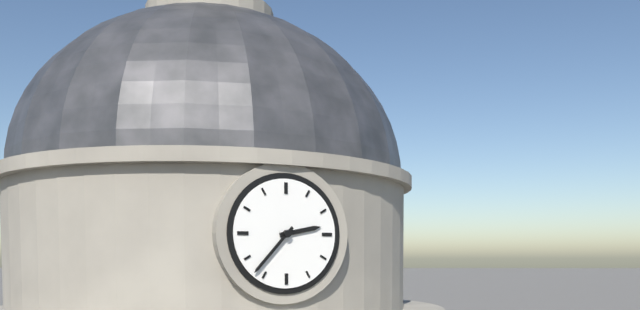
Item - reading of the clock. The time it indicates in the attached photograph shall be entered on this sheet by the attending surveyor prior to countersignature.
2:37
